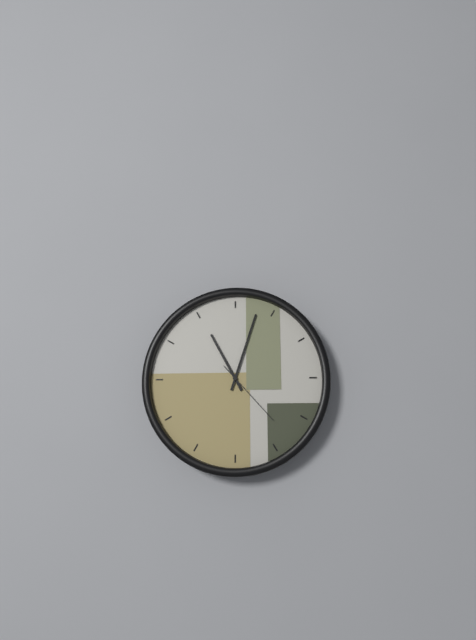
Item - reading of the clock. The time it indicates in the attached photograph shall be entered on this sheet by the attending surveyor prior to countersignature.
11:03:23
